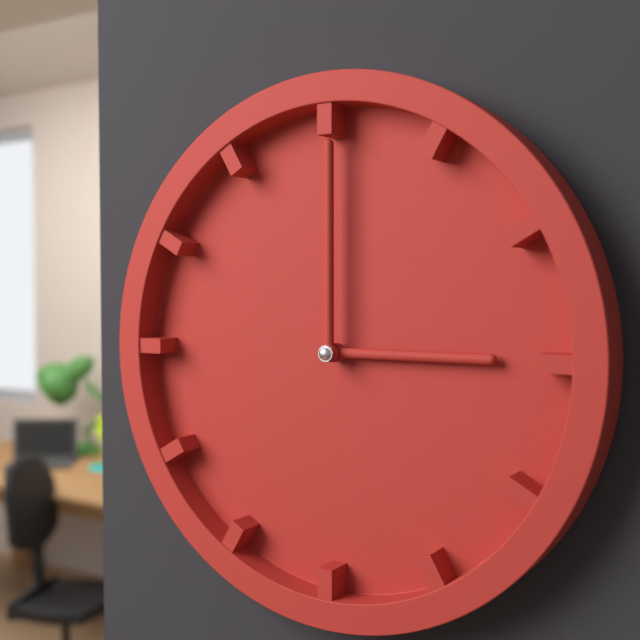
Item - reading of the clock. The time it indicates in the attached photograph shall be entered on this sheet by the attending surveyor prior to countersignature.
3:00
